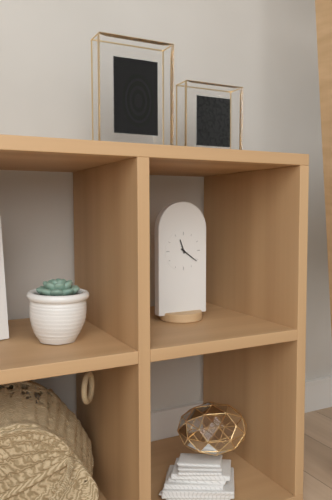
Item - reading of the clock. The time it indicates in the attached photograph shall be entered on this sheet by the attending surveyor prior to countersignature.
11:21
